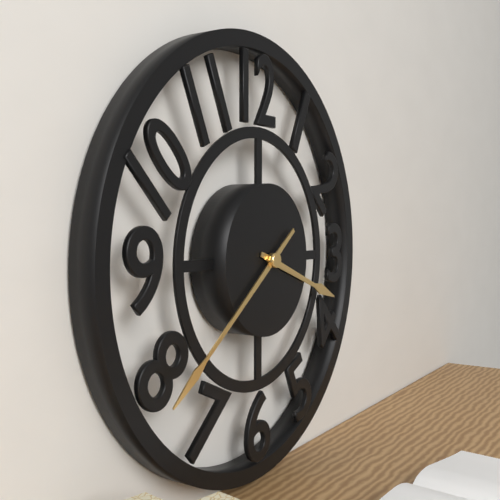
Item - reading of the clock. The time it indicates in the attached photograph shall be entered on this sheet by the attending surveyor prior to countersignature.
3:39
